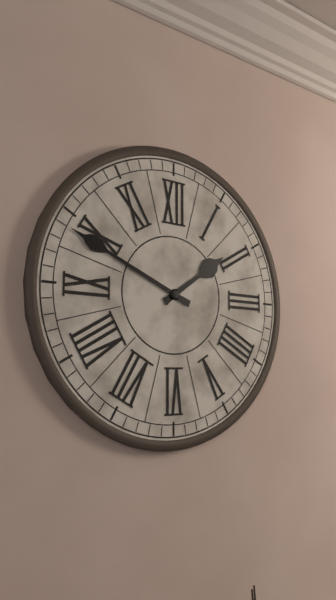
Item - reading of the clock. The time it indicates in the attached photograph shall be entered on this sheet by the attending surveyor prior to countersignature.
1:49
